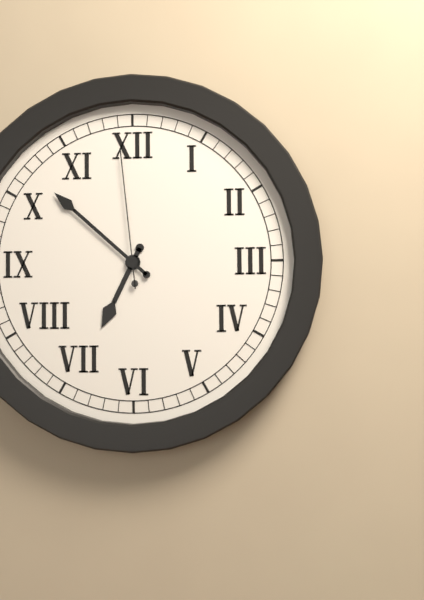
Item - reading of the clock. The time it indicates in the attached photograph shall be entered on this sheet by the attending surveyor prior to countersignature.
6:52:59
